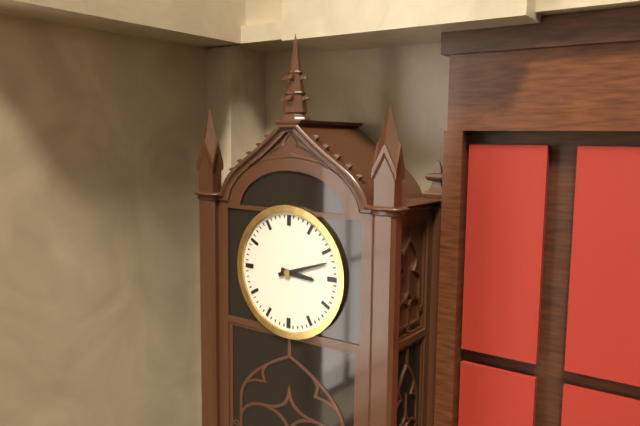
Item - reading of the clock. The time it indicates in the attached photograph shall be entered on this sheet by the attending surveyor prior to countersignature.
3:12
